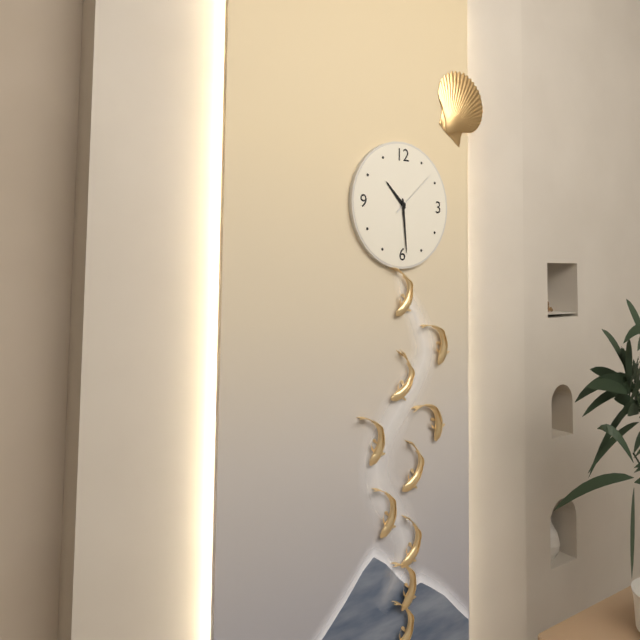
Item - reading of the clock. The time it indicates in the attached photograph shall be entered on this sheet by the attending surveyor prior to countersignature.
10:29:08
